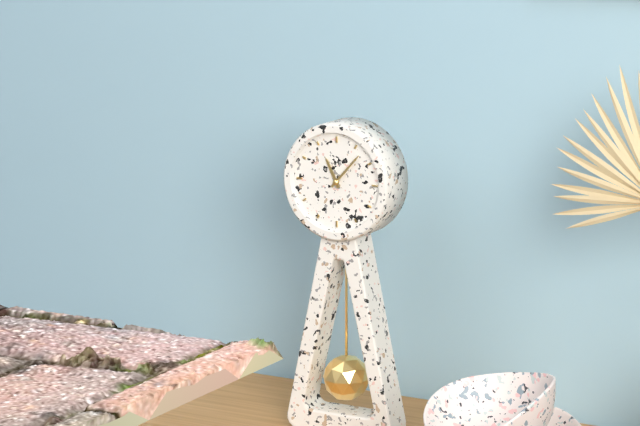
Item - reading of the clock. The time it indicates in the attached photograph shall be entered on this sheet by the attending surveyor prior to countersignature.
11:07
